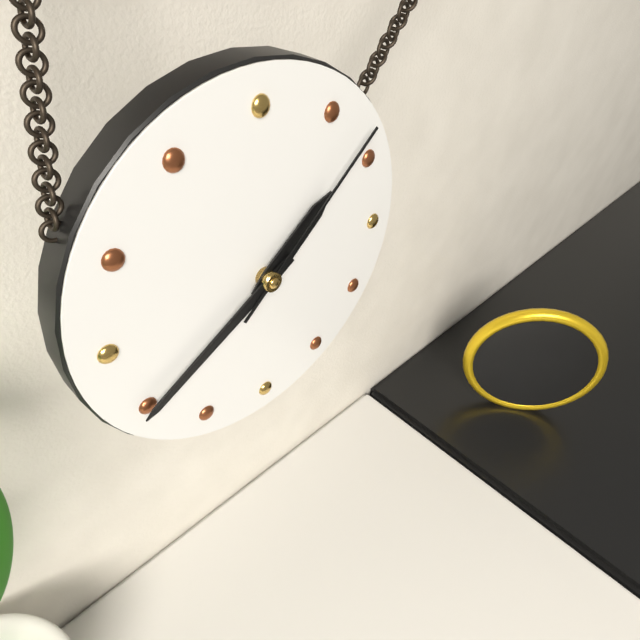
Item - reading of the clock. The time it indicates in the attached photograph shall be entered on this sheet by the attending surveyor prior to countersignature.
1:40:08
